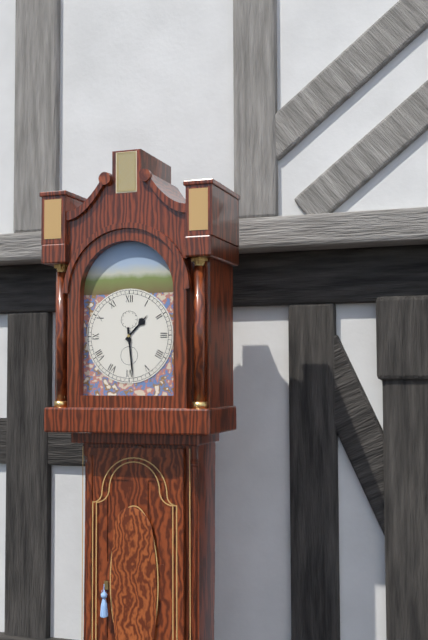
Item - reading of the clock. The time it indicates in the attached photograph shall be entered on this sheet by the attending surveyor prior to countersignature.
1:29
